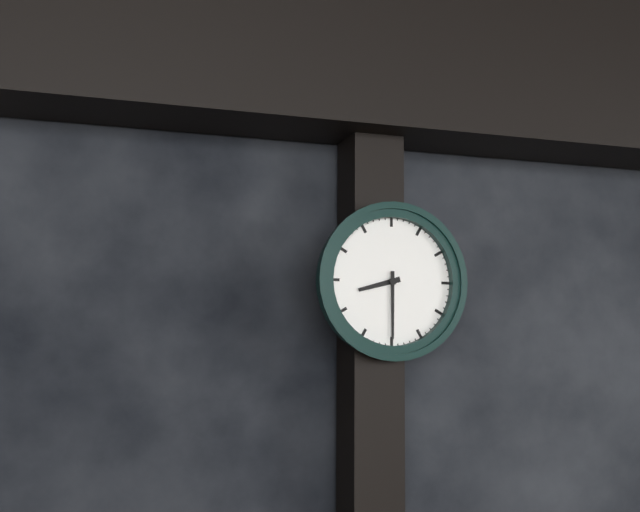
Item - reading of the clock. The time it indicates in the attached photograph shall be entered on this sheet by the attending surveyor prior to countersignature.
8:30
